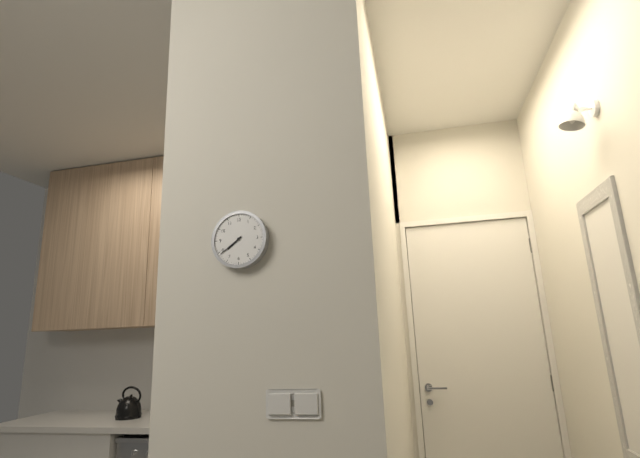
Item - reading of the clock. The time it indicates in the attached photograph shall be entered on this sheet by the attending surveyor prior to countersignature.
7:39
